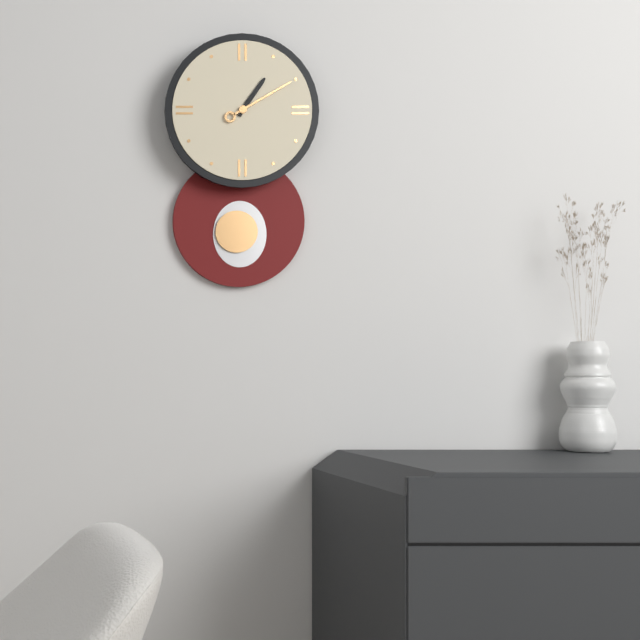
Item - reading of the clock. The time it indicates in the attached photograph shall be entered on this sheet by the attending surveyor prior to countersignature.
1:10
